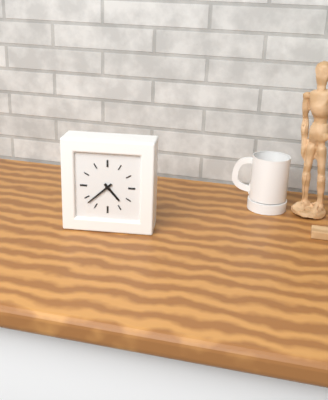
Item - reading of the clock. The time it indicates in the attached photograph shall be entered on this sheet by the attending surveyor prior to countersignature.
4:38
